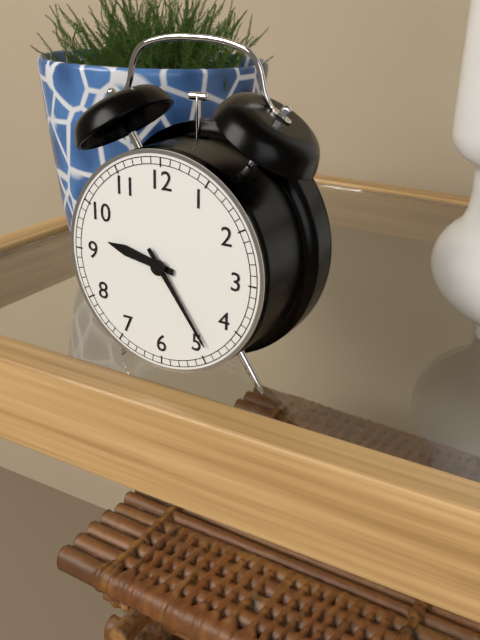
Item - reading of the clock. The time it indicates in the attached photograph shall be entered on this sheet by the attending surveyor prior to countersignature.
9:24
